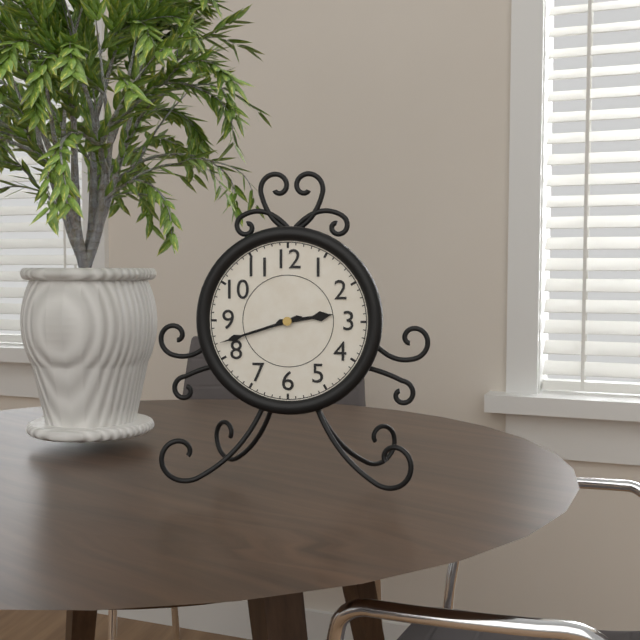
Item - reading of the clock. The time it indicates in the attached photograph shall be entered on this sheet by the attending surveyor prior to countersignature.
2:42
